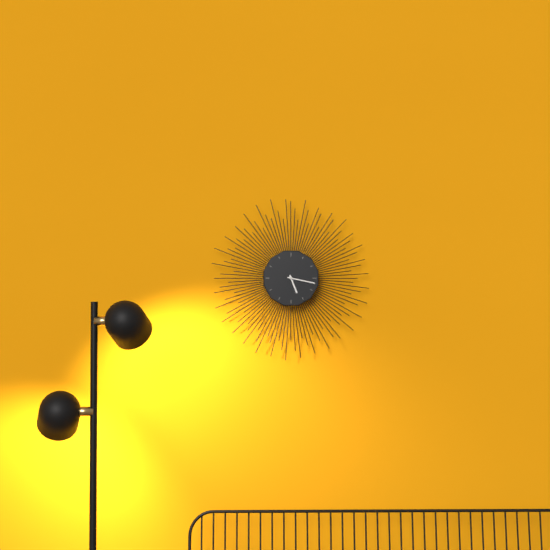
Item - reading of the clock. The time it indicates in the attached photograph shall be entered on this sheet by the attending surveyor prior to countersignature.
5:17
